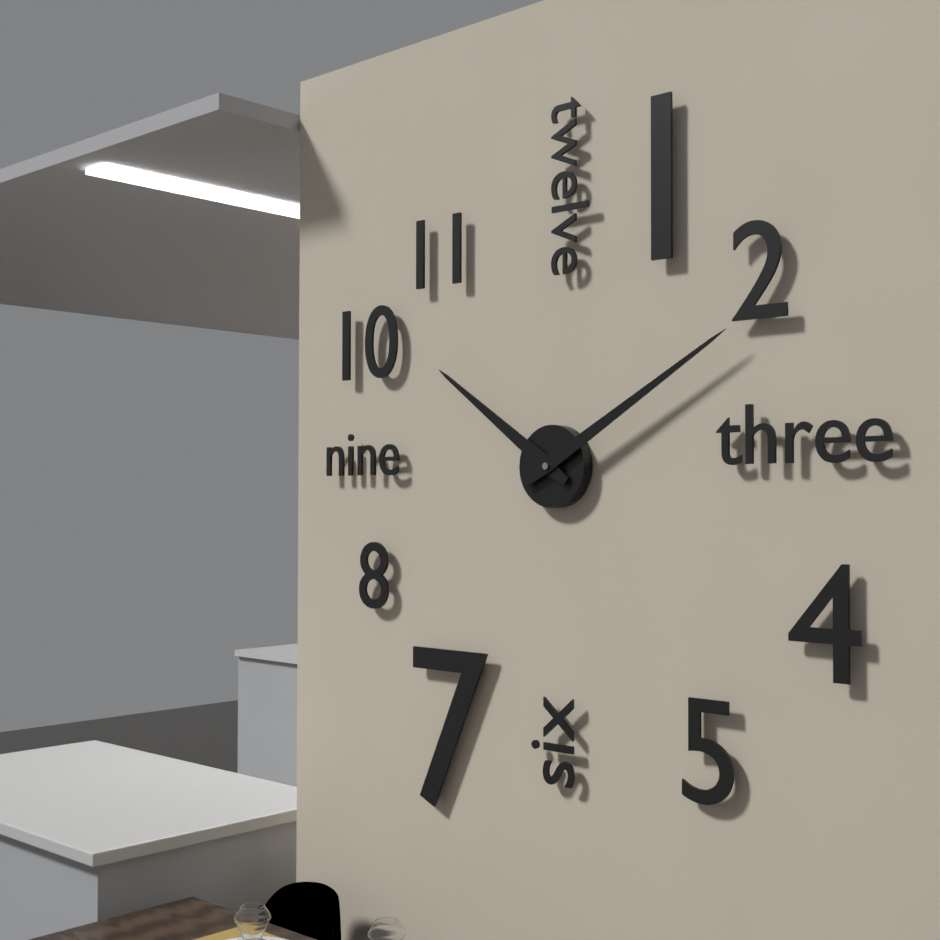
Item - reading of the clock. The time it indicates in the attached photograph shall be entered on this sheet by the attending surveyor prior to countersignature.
10:10
